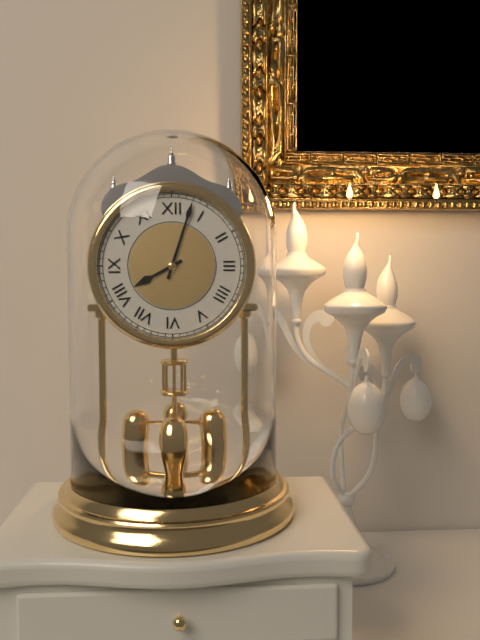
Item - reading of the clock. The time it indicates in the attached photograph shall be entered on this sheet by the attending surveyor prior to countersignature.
8:03
